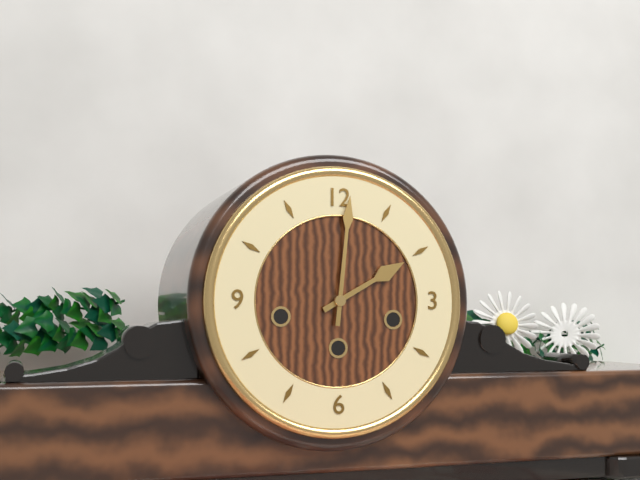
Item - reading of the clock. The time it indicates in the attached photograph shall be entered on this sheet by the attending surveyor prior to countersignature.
2:01
